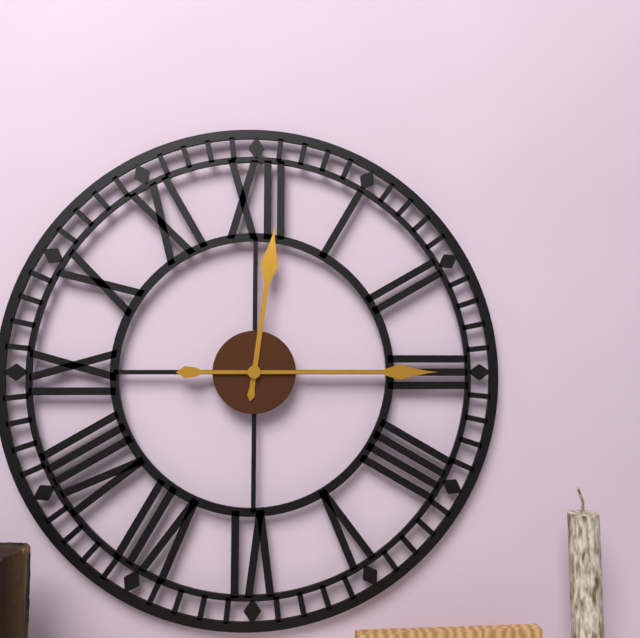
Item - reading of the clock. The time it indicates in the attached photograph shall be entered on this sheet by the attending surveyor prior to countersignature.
12:15
